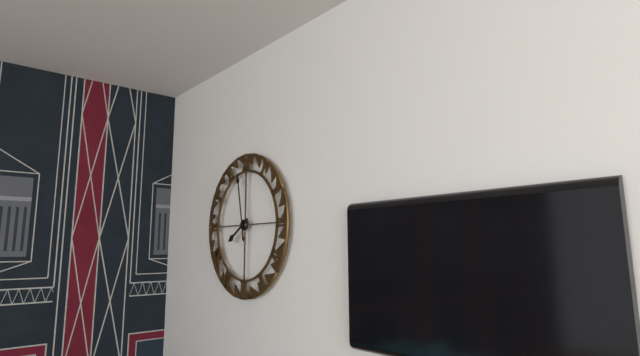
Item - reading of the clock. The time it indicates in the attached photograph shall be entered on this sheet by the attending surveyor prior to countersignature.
7:58
